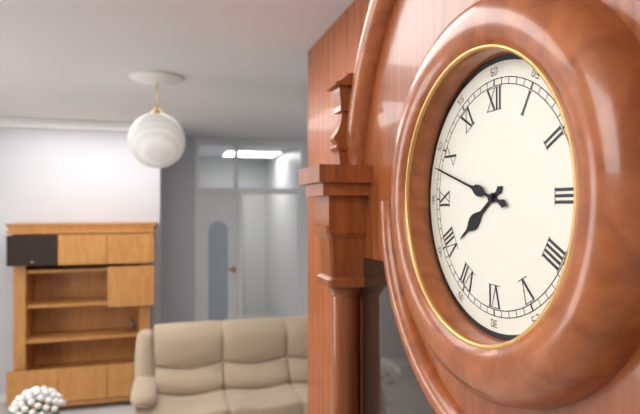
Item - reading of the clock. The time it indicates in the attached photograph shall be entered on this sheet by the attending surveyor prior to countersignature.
7:48
